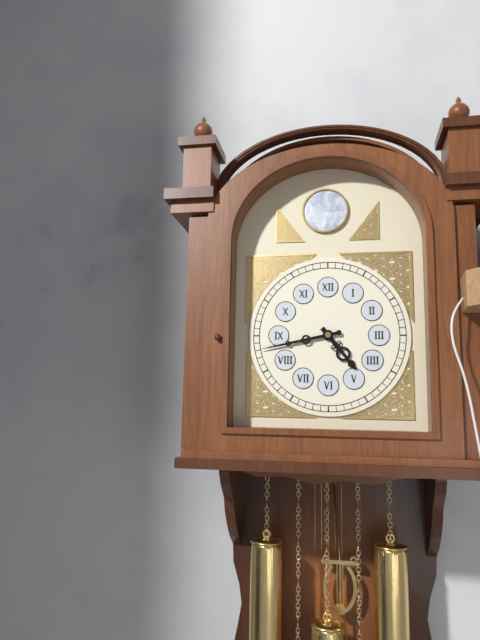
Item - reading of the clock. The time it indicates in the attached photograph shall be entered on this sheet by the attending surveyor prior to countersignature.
4:43
